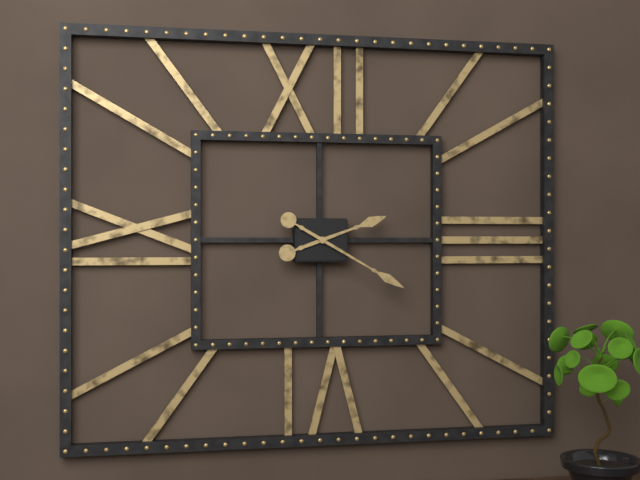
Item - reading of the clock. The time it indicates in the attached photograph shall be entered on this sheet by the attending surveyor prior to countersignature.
2:20
